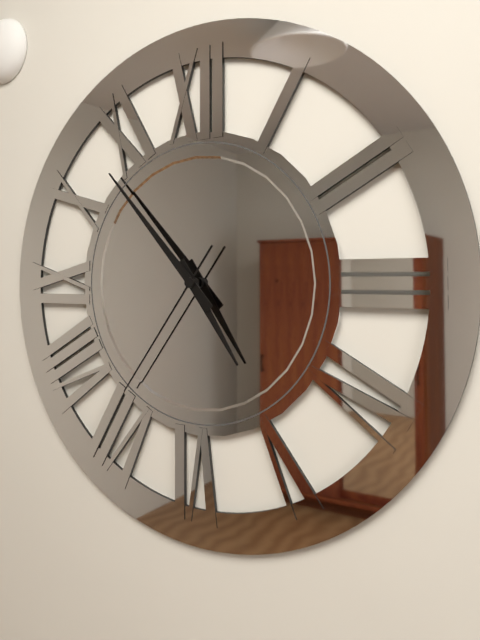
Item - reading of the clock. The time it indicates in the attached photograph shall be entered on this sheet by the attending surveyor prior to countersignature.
4:53:36
